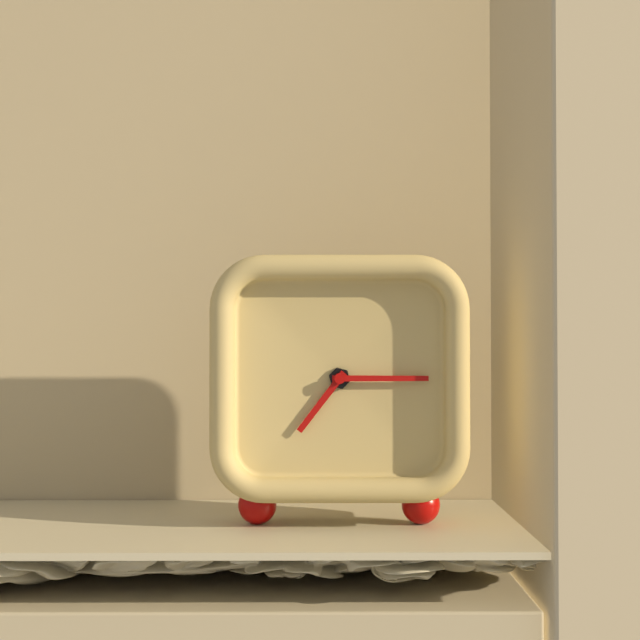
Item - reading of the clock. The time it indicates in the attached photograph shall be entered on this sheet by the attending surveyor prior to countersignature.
7:15
